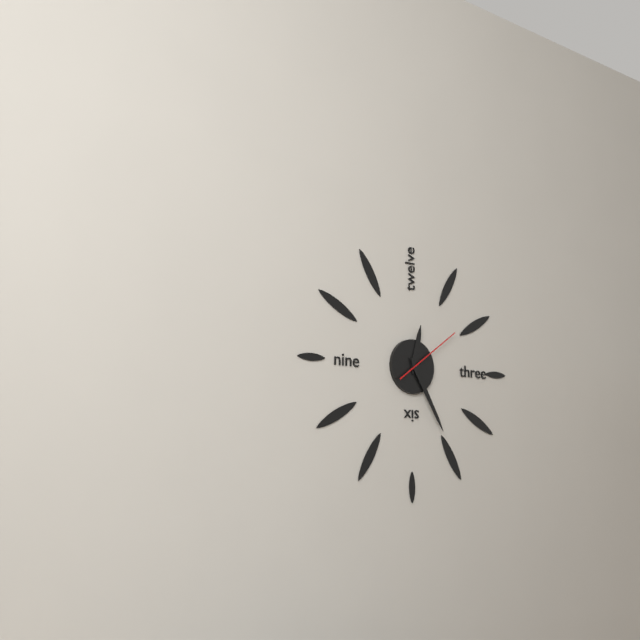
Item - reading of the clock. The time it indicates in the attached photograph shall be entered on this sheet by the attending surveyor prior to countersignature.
12:25:09
